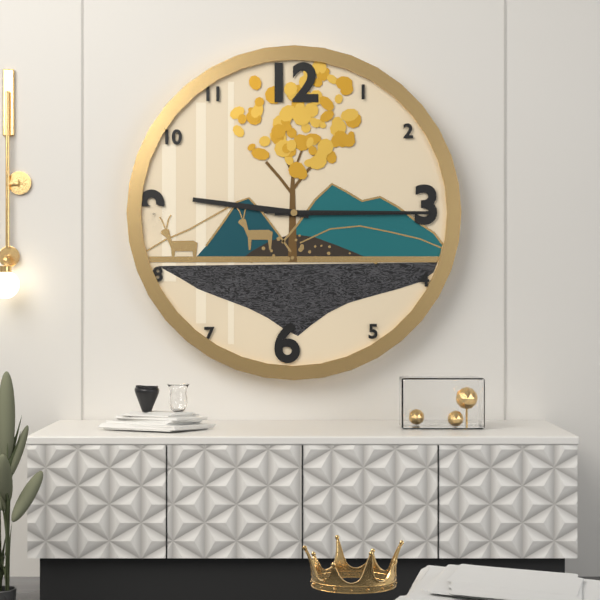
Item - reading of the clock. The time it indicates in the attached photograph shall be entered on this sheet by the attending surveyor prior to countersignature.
9:15:15
